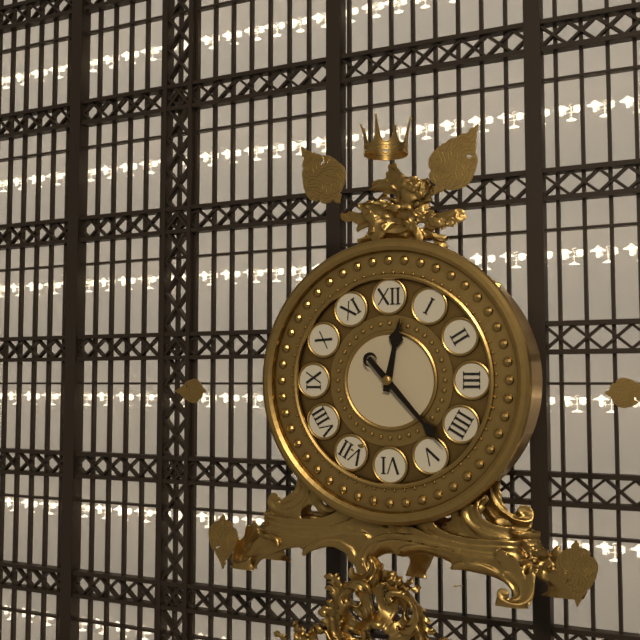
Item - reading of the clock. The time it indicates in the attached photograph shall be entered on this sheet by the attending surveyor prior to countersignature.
12:23
